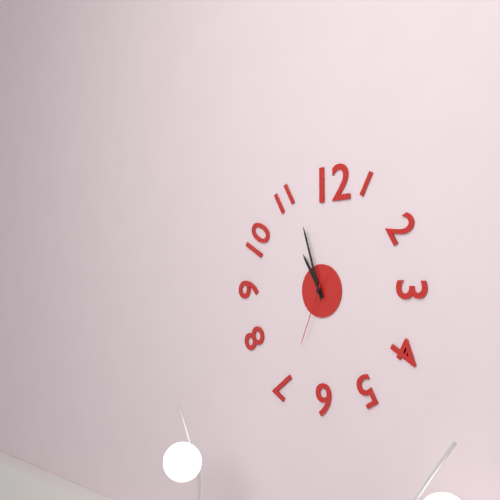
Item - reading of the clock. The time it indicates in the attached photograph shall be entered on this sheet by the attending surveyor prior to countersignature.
10:57:34
